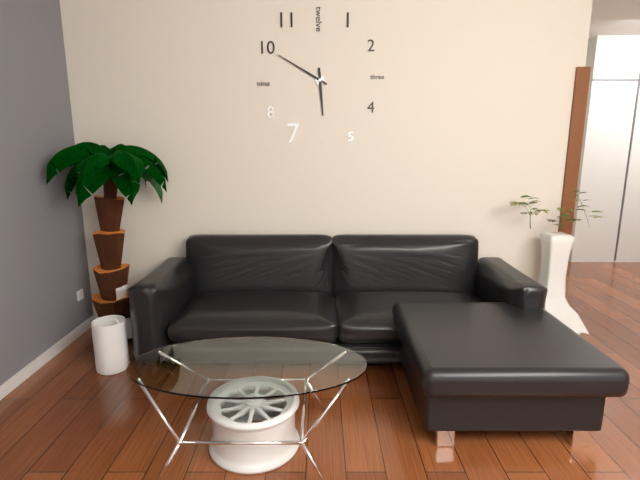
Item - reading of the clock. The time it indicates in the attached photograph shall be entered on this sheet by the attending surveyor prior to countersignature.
5:50
